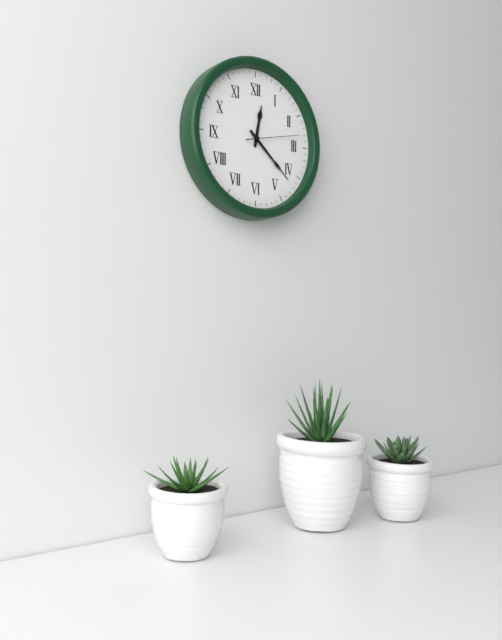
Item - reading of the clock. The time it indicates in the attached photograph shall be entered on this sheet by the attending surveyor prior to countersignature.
12:22:13
